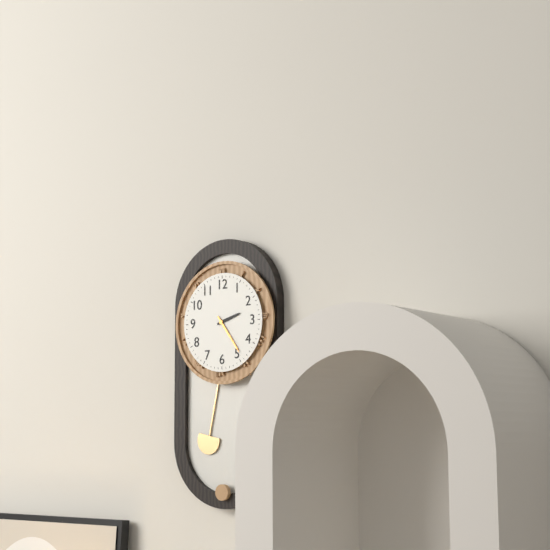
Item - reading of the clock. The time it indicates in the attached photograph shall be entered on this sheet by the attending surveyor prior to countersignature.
2:24
